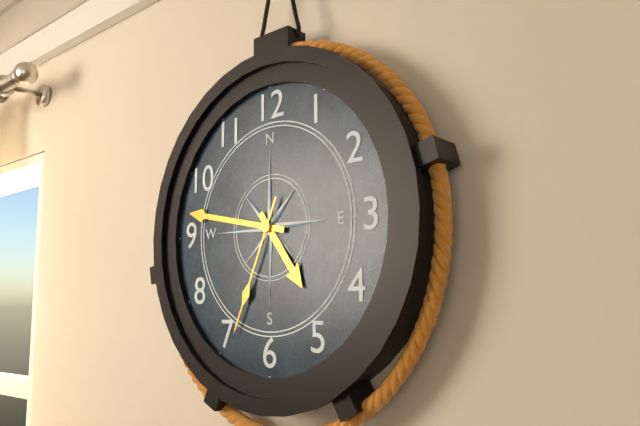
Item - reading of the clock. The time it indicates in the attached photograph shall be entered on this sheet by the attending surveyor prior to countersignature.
4:47:34
